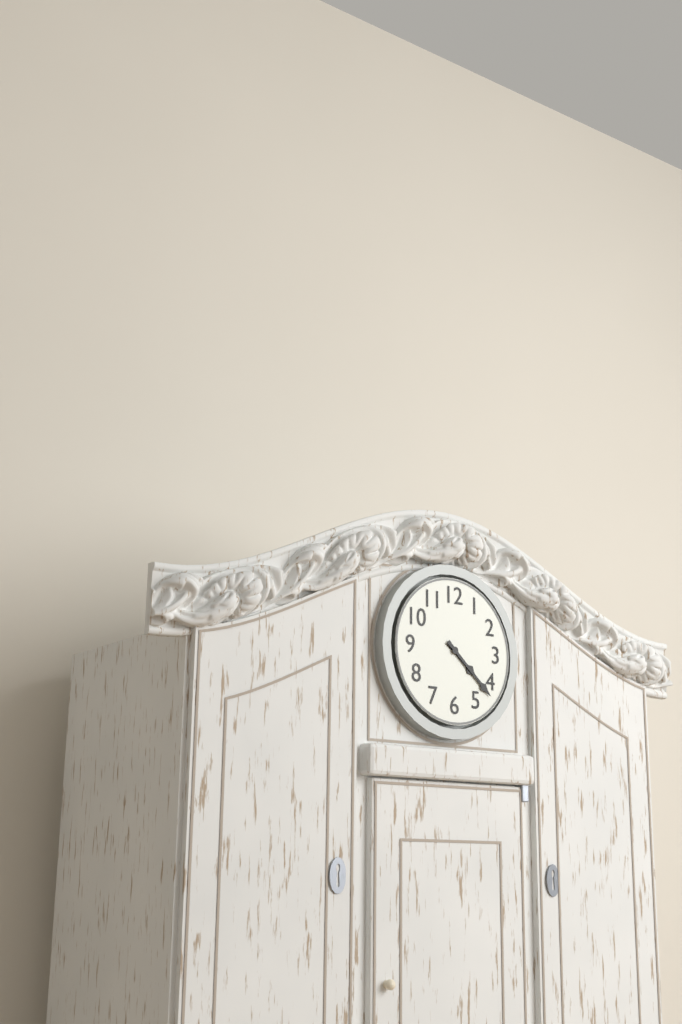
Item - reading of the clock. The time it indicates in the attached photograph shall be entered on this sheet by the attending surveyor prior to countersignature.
4:22
